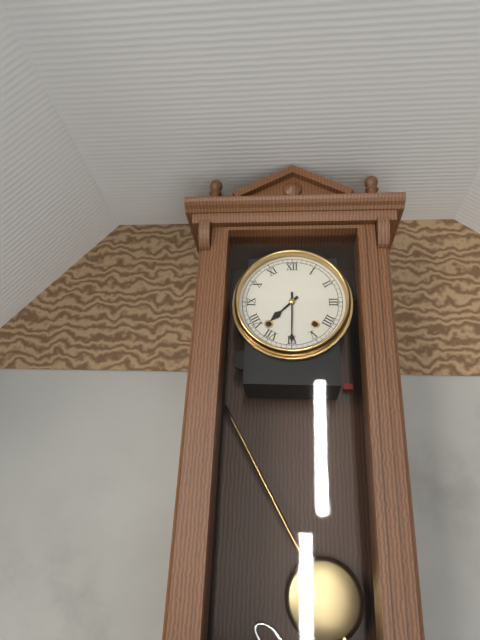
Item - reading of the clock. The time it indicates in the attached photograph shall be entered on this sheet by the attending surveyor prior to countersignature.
7:30
